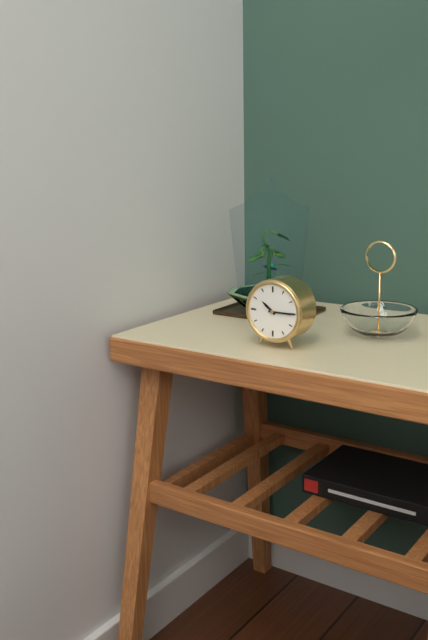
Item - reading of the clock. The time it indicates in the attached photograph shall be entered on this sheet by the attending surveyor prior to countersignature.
10:15
